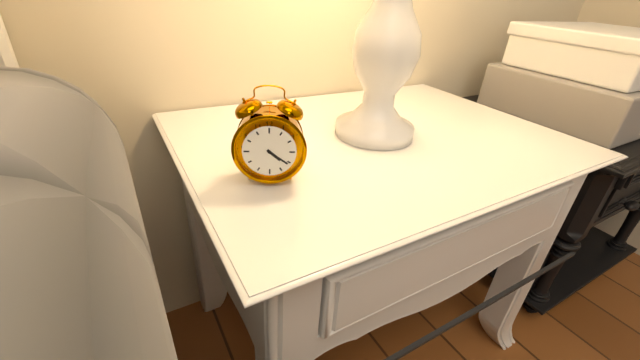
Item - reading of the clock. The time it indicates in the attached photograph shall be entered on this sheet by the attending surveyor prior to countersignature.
4:21
